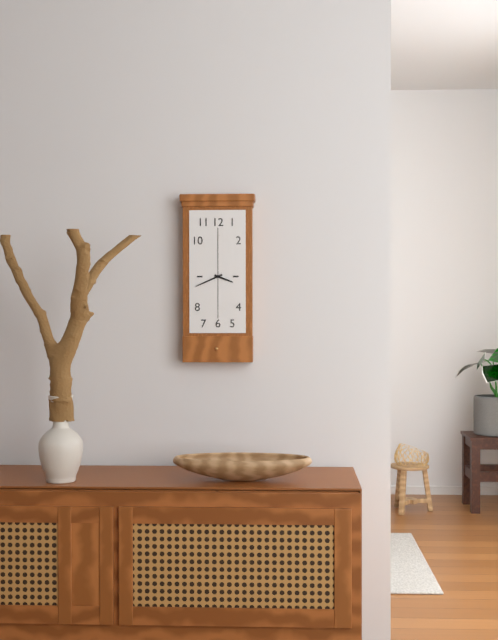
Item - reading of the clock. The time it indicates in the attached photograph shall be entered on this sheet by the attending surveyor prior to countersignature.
3:41
